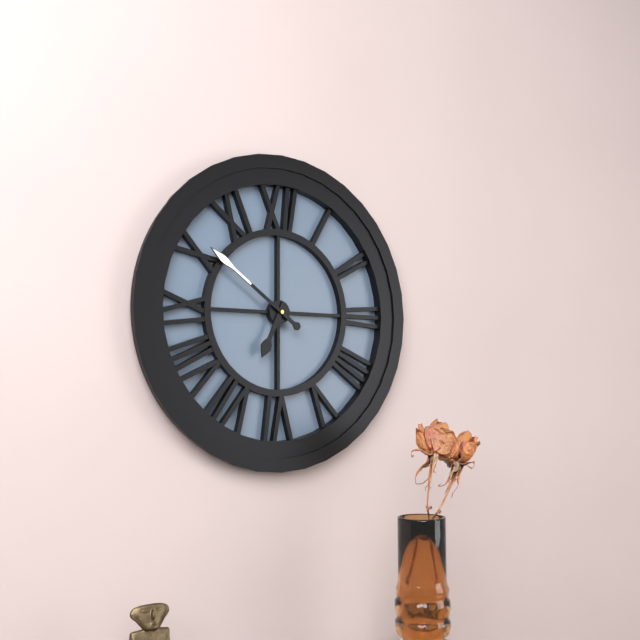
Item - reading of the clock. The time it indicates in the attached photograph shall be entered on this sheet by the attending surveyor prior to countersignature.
6:51
